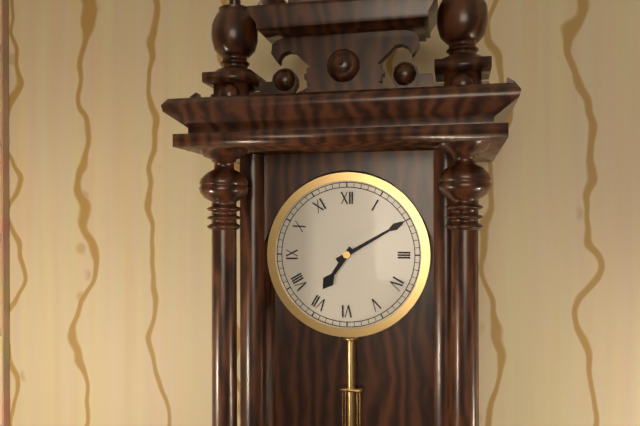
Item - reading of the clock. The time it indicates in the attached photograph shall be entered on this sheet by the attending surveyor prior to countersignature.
7:10
